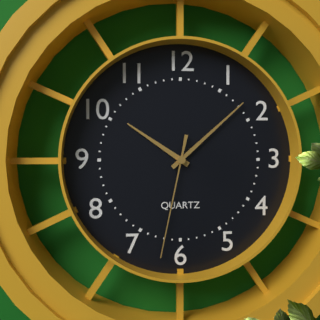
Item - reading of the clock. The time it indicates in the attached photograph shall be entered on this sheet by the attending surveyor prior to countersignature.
10:08:32
